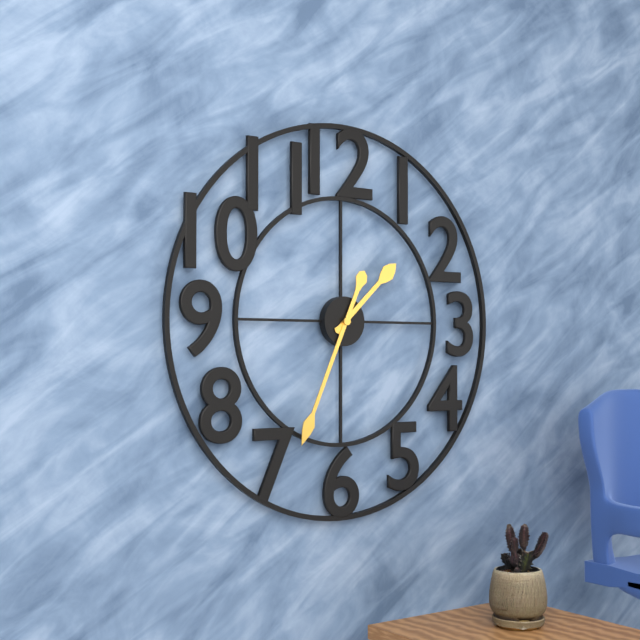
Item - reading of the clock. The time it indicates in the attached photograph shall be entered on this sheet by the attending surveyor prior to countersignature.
1:34
